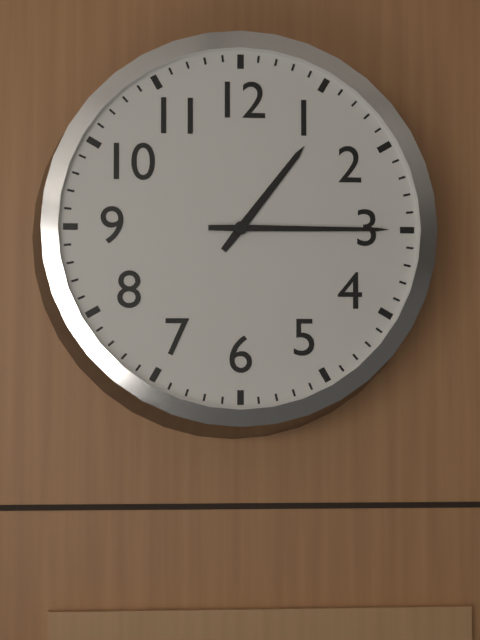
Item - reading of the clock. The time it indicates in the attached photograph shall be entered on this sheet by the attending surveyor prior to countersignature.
1:15
